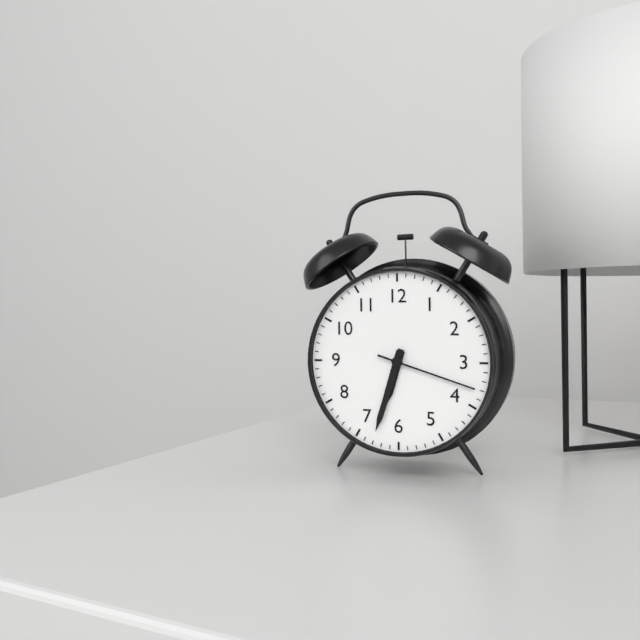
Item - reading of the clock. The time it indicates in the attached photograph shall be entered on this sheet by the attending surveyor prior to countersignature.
6:33:18
